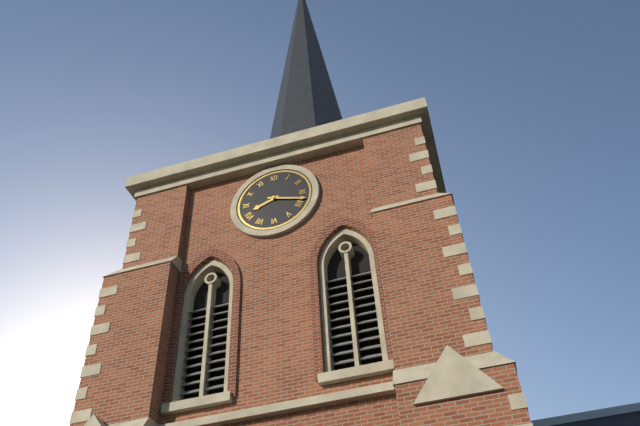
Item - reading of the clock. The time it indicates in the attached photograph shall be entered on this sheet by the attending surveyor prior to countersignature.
8:18
